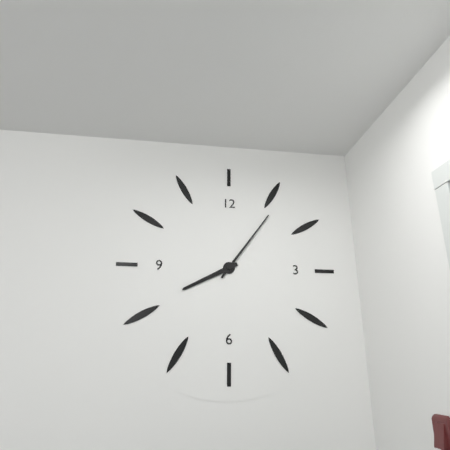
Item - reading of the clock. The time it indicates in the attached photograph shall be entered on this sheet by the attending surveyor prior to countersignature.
8:06
